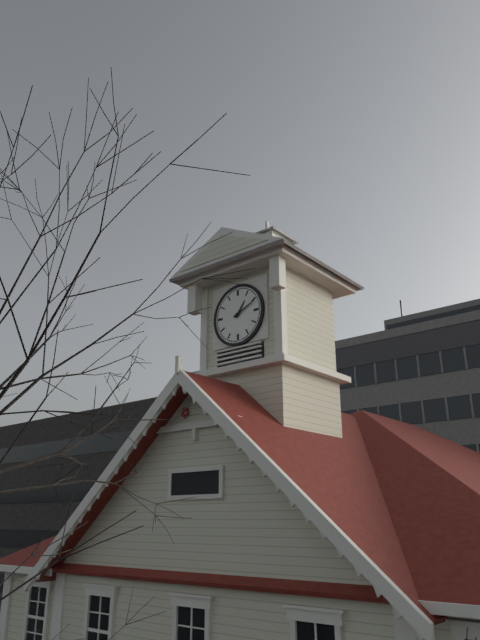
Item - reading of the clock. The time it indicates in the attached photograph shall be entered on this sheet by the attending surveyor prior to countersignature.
1:11
